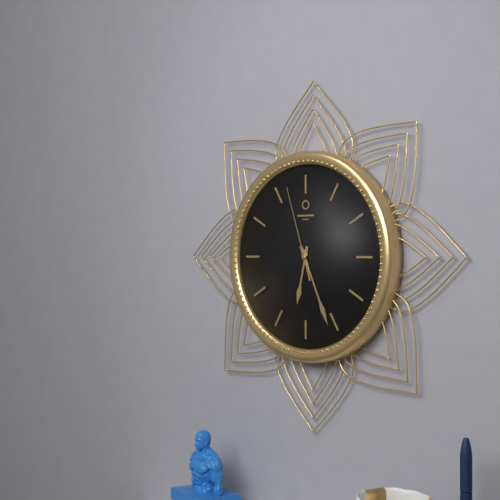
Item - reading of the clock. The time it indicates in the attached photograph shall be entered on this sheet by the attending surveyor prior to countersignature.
6:26:57
